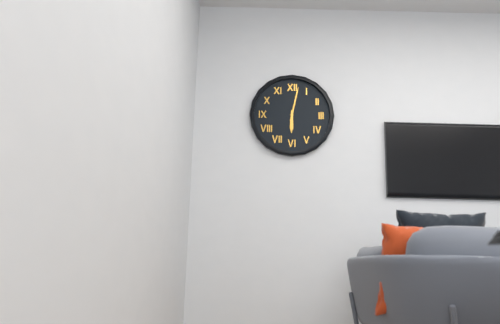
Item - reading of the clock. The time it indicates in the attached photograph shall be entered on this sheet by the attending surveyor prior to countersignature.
6:02
